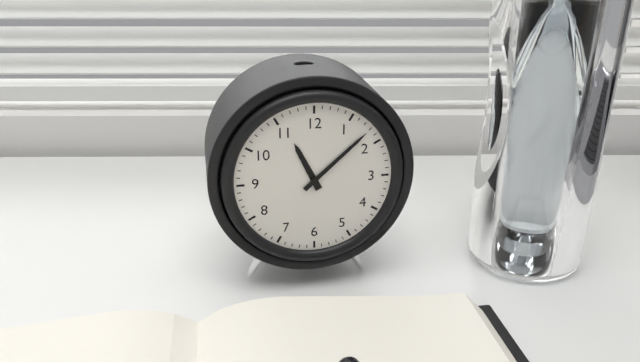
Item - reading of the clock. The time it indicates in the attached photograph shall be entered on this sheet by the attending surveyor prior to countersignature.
11:08
